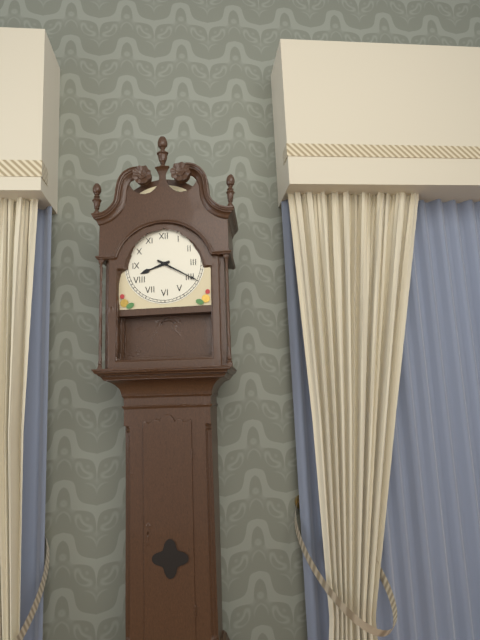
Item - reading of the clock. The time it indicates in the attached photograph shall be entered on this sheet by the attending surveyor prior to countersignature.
8:20
